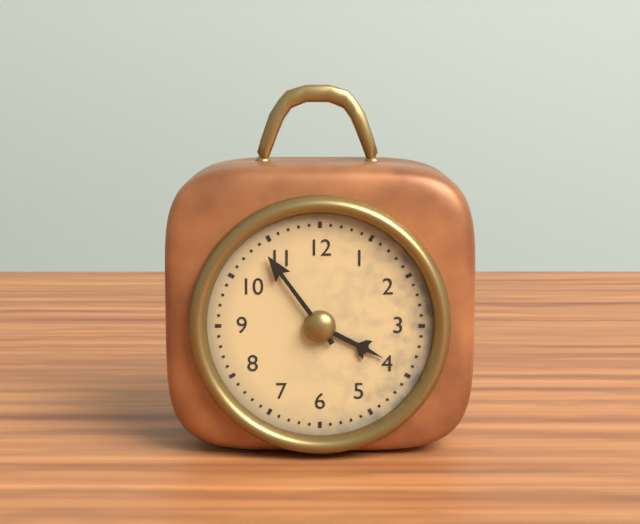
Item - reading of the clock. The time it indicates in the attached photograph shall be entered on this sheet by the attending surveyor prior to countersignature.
3:54
